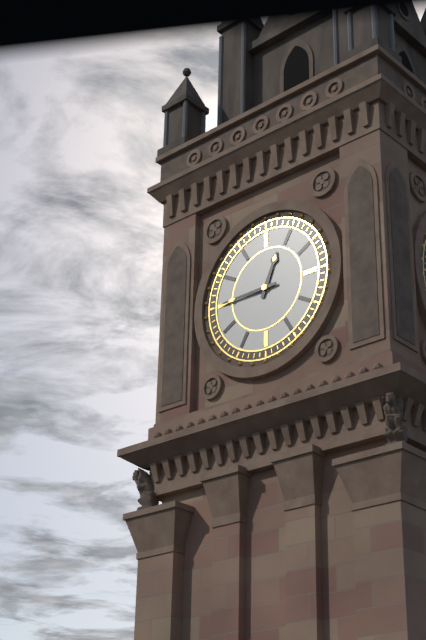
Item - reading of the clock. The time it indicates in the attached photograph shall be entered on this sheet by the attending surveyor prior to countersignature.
12:45
